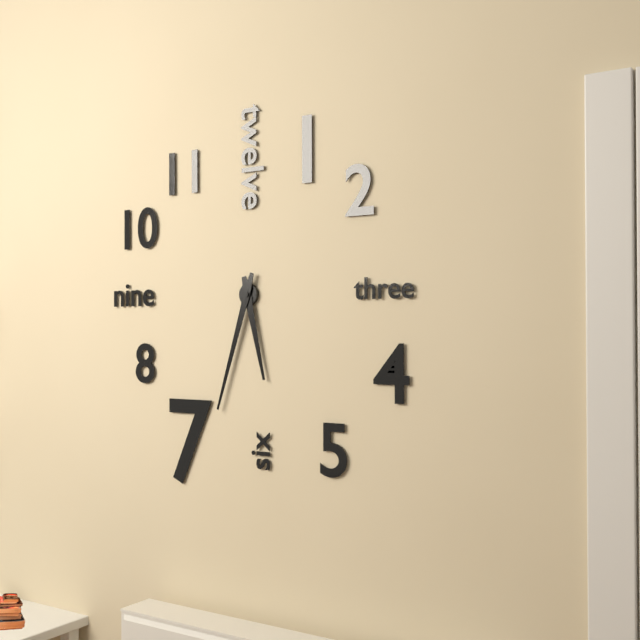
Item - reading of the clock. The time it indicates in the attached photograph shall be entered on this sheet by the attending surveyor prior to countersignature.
5:33
